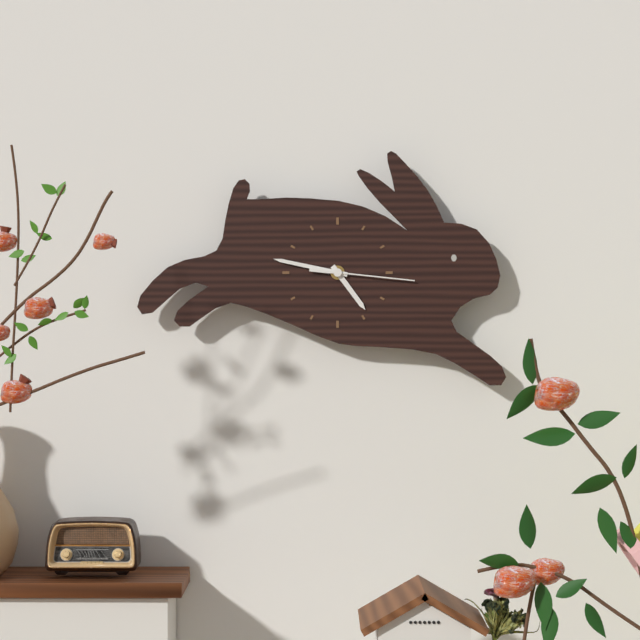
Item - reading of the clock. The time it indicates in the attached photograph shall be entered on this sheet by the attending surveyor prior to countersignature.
4:47:16
